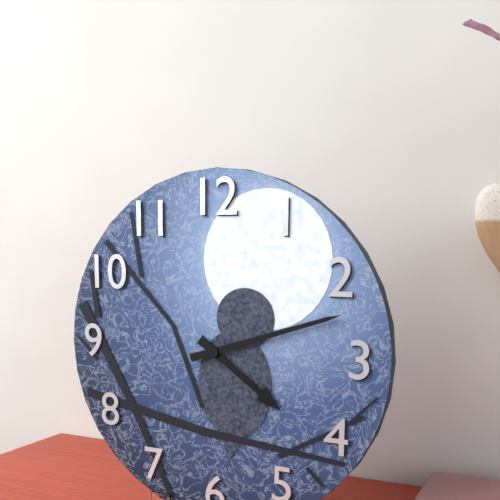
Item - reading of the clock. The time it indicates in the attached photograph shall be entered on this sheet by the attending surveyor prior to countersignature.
4:12
